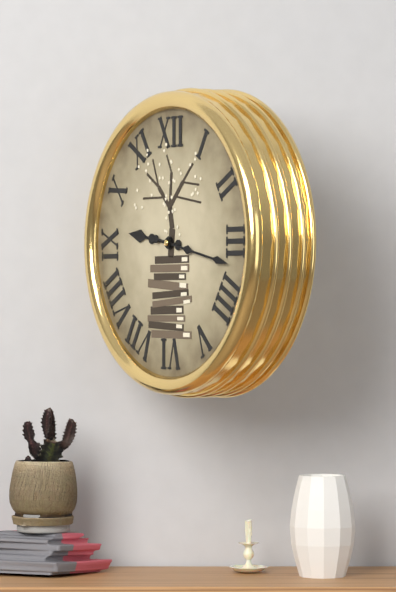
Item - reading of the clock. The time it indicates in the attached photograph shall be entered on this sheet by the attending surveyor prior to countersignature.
9:17
